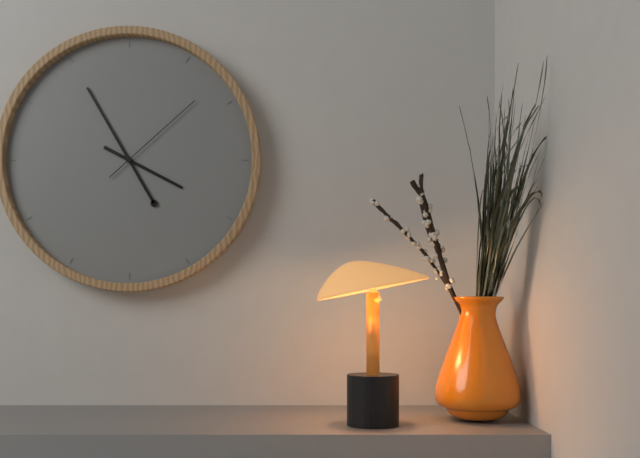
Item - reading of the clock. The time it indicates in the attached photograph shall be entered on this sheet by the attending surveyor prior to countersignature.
3:55:08
